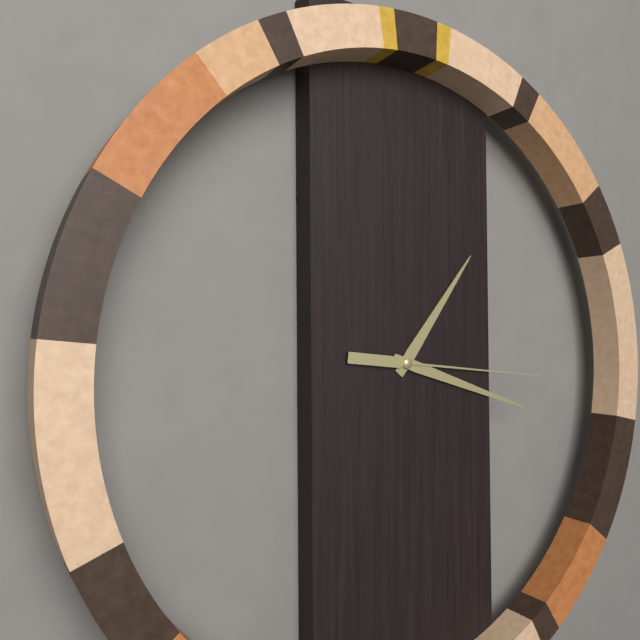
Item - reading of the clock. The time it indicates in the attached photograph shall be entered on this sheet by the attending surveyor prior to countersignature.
1:18:16
